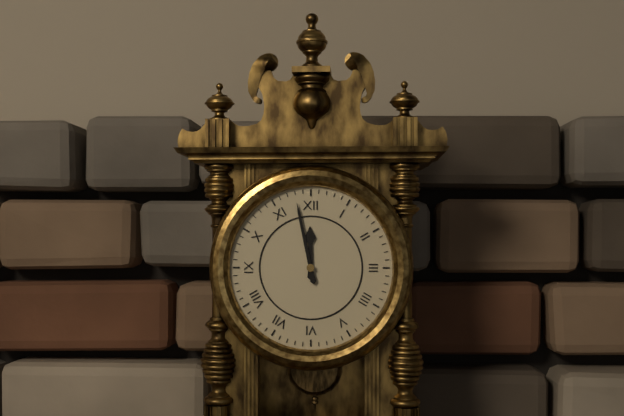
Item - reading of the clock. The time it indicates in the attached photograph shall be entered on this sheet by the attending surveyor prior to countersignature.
11:58
